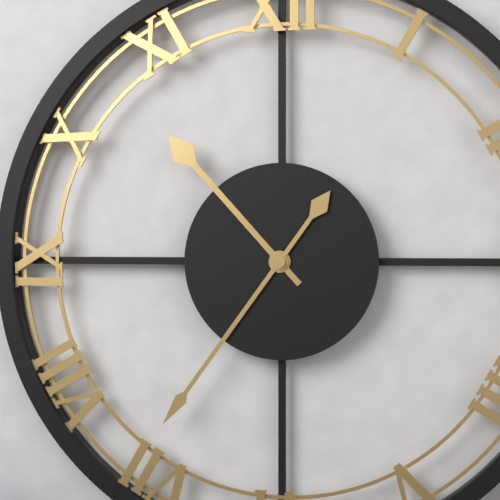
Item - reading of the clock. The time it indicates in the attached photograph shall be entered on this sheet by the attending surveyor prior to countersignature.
10:36
